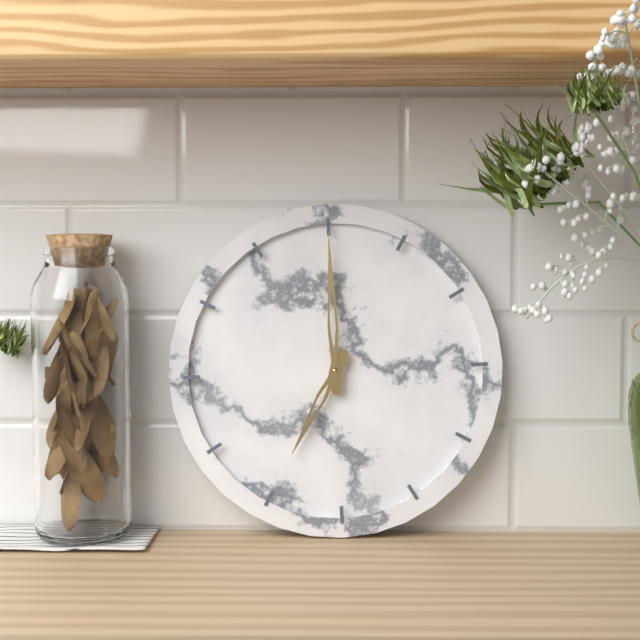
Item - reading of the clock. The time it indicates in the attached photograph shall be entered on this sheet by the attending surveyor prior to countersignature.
7:00
